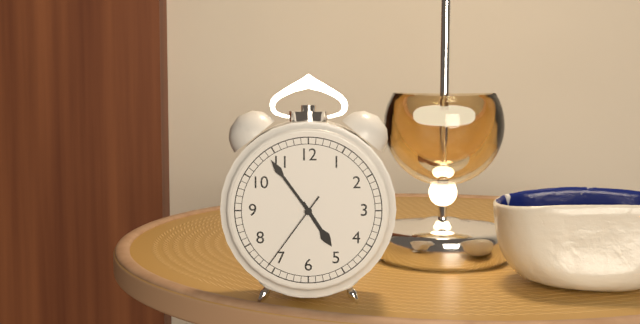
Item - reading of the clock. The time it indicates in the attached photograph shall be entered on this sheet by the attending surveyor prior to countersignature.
4:54:36
